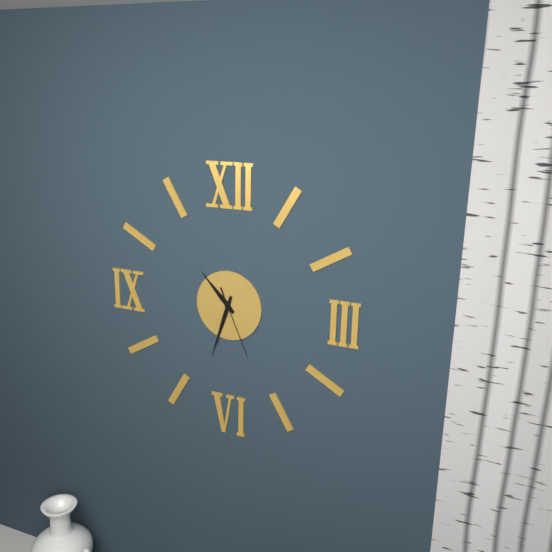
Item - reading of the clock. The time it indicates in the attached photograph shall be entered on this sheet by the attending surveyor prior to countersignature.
10:33:26
